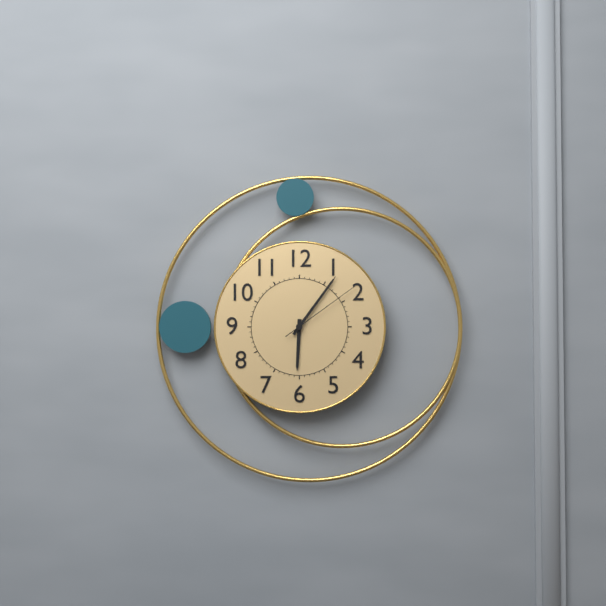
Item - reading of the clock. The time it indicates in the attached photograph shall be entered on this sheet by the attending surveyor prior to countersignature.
6:06:09
